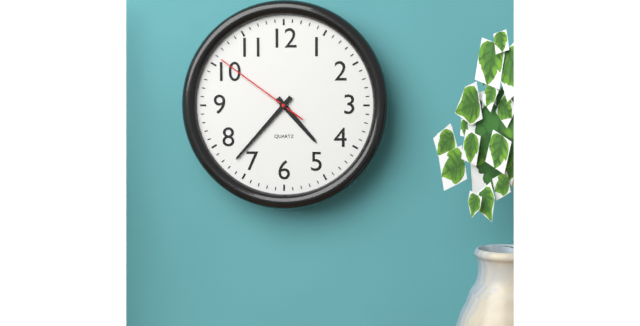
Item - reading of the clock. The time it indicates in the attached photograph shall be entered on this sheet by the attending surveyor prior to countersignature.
4:37:51
